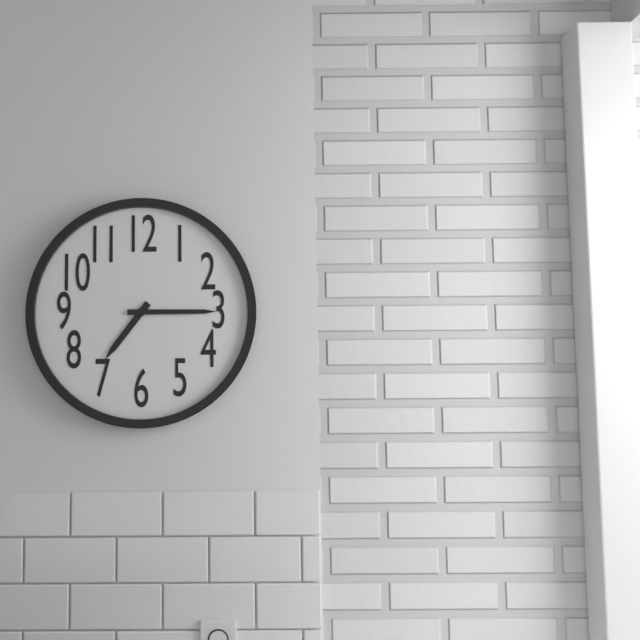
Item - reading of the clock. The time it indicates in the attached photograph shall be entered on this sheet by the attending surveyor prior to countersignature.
7:15
